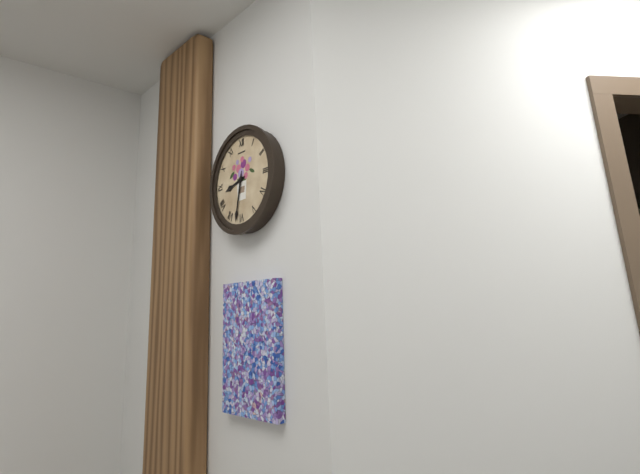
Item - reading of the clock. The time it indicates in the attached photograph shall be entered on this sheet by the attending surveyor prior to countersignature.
8:32
